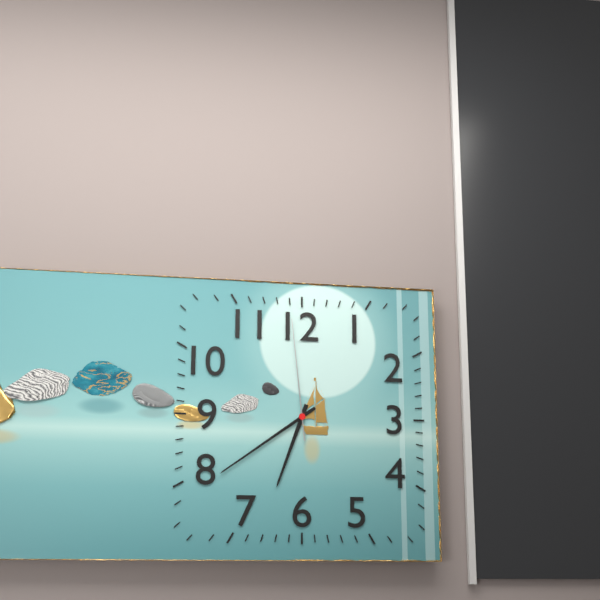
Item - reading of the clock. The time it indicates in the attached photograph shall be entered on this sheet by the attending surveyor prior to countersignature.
6:39:59
